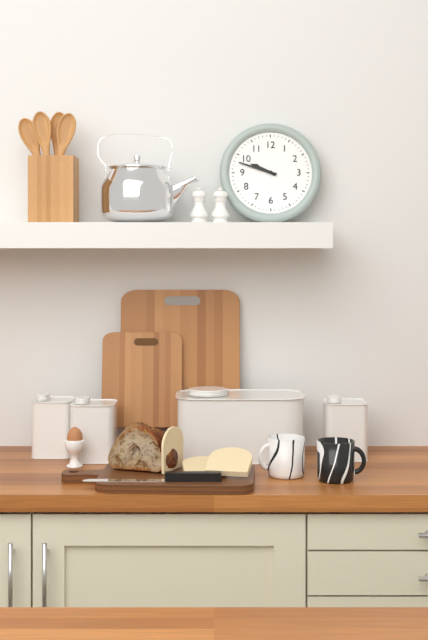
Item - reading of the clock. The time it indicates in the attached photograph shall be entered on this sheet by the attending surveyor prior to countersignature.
9:48
